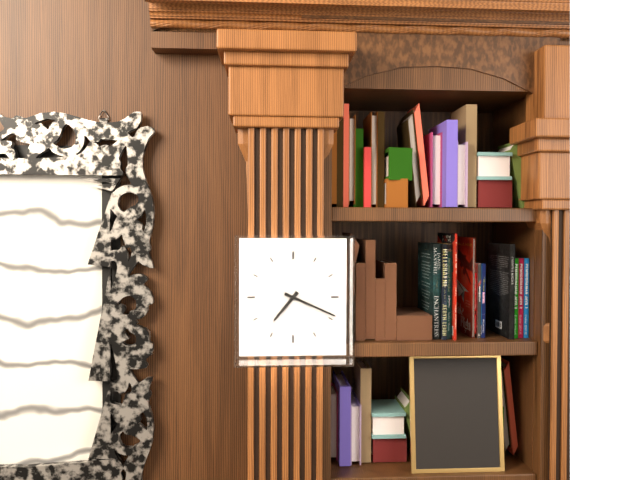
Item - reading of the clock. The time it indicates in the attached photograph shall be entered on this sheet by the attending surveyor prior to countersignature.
7:19
